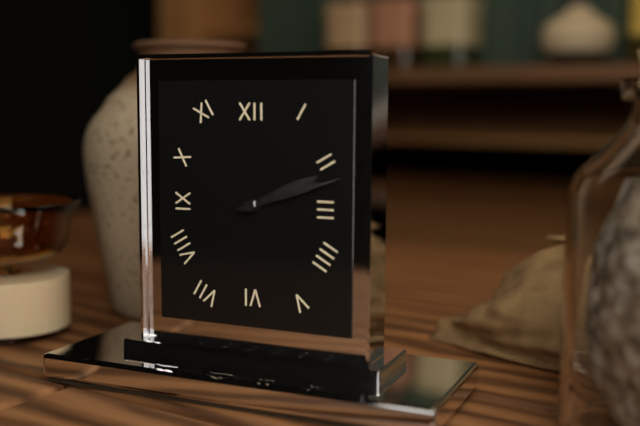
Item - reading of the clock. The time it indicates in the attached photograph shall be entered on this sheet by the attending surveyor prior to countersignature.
2:12
